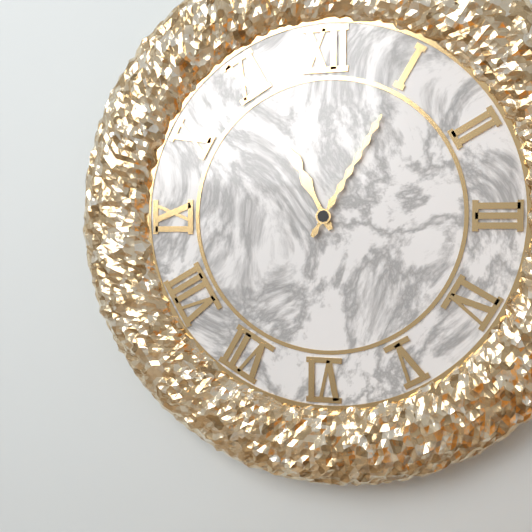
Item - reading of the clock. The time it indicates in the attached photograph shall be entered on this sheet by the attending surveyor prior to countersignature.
11:05
